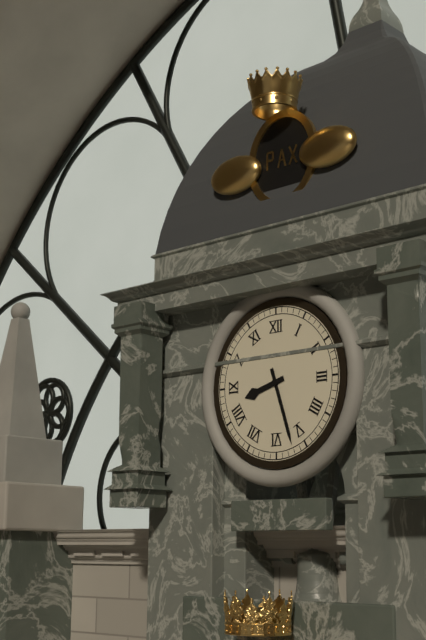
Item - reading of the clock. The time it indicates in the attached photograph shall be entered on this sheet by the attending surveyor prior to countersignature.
8:27
